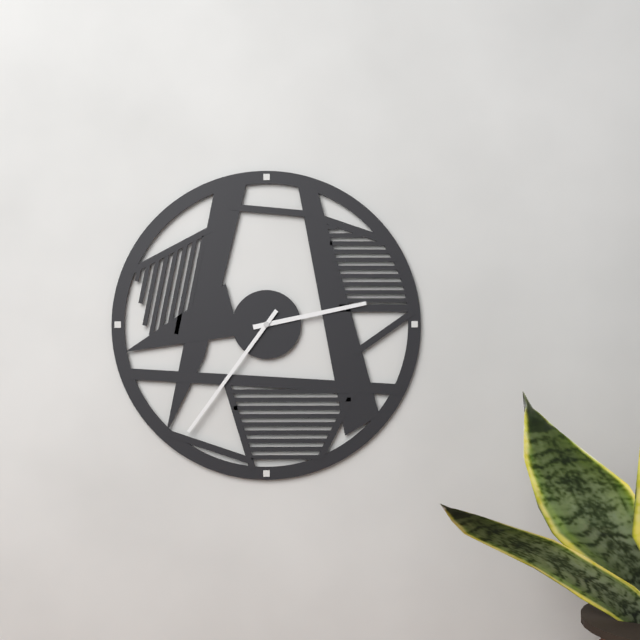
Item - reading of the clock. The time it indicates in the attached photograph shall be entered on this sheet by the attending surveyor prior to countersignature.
2:36
